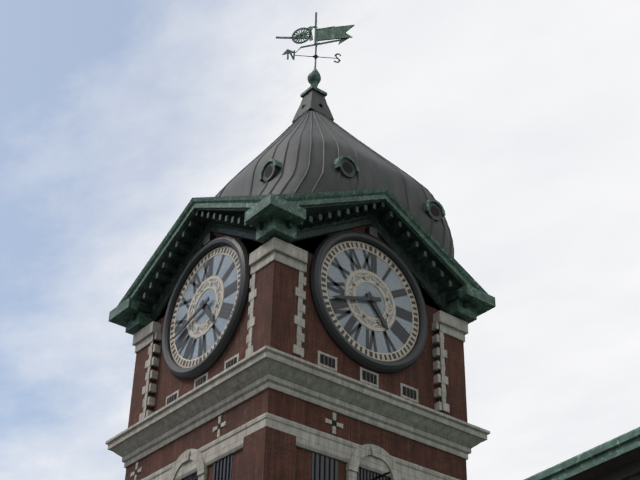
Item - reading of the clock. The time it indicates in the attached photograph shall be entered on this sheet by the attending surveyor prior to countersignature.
4:42
